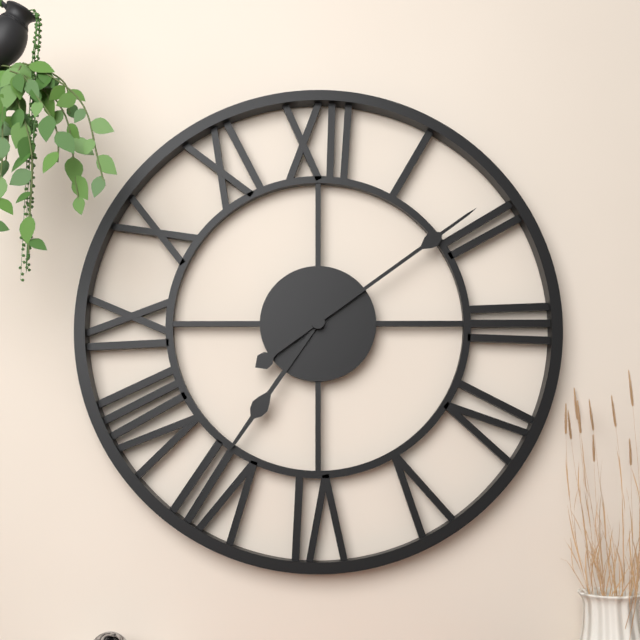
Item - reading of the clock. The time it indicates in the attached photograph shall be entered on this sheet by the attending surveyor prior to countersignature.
7:09
